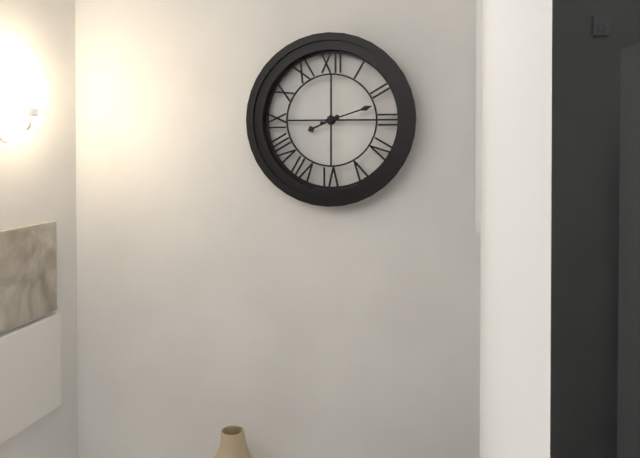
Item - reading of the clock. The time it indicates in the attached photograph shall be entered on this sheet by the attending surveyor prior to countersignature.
8:12
